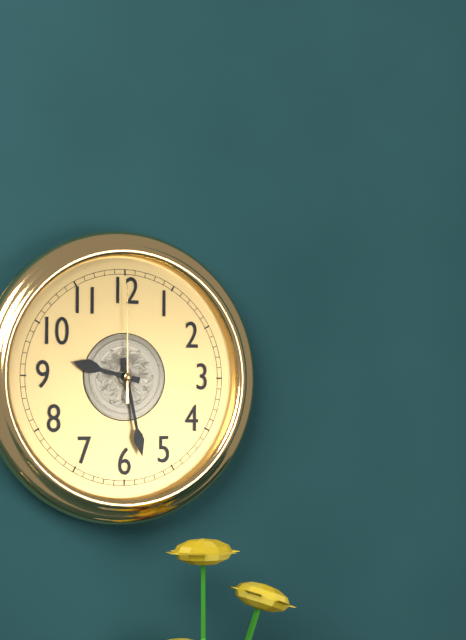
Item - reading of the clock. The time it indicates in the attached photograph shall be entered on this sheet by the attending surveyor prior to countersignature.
9:28:00
